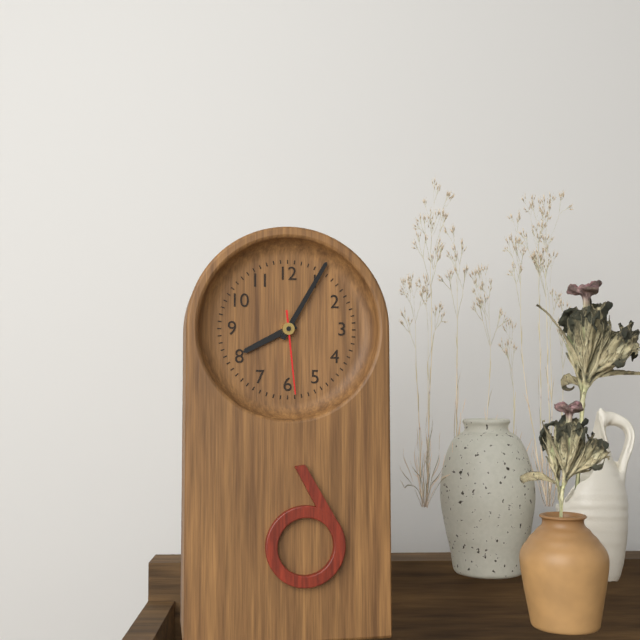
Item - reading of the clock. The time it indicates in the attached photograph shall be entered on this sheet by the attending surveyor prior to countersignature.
8:05:29
